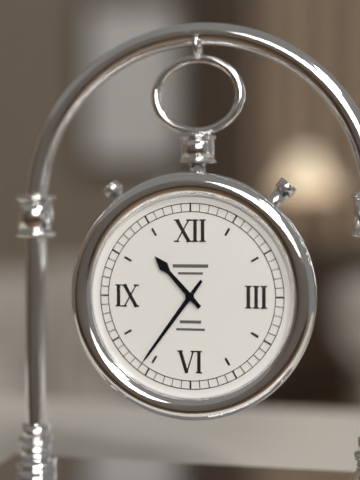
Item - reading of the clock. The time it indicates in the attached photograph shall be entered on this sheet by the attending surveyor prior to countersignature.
10:36
